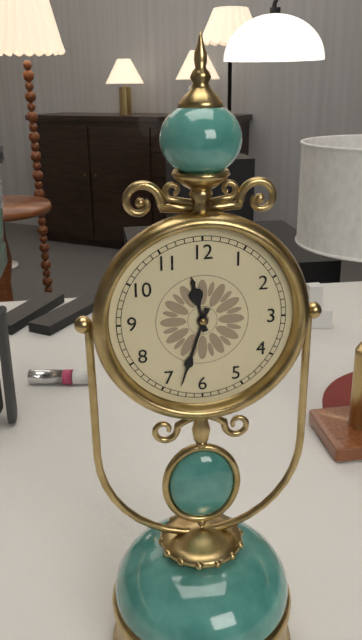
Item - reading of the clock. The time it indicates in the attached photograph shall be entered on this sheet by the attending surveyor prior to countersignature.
11:33
